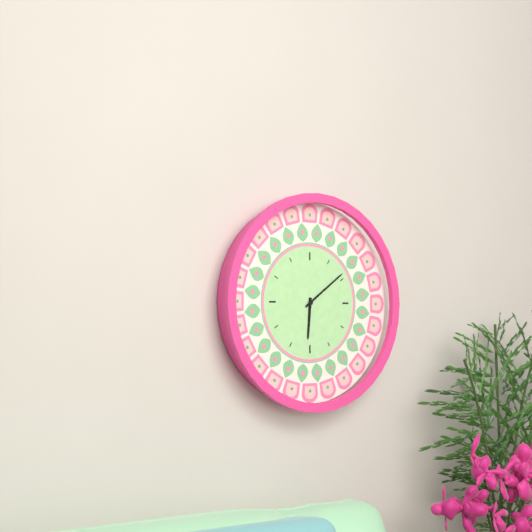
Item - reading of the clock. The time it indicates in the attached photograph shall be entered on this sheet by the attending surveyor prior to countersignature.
6:09
